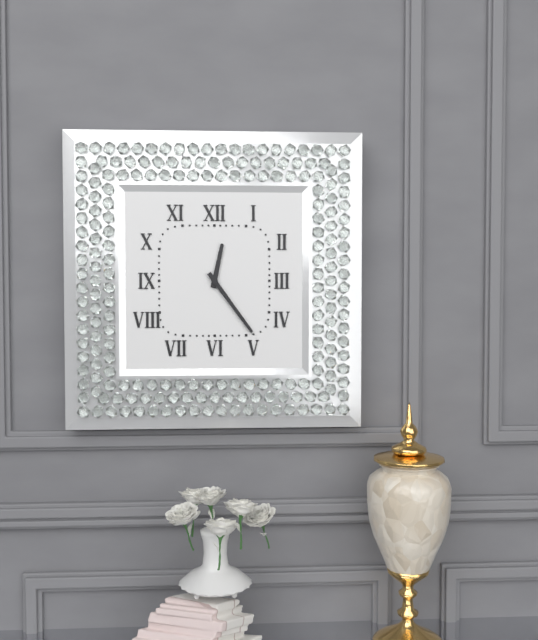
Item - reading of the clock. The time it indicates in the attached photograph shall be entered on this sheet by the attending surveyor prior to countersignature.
12:24
